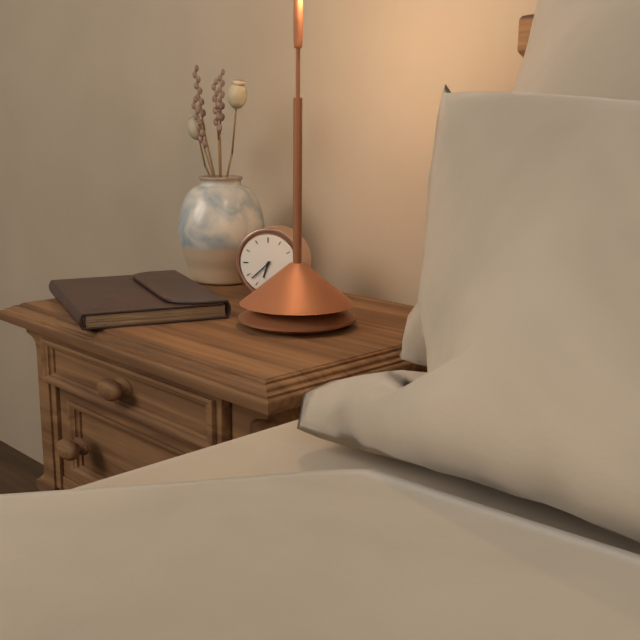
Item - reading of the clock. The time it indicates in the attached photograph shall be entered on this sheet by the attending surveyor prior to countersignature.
6:38
